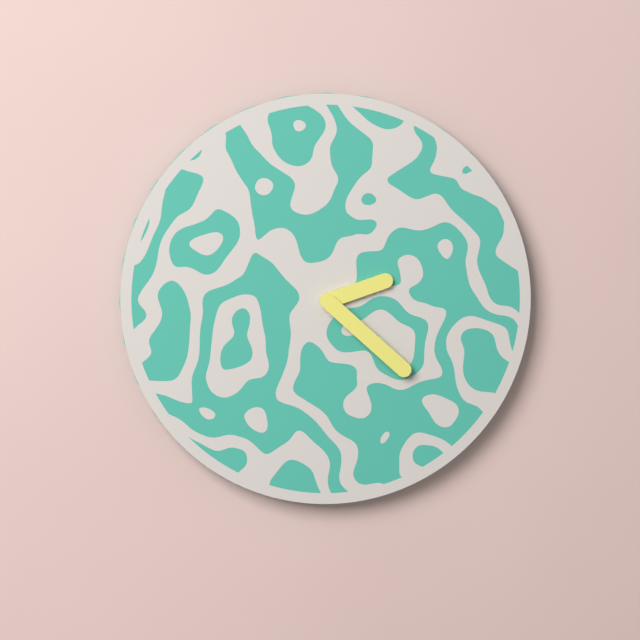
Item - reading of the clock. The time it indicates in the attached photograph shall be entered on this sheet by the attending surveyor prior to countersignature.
2:22
